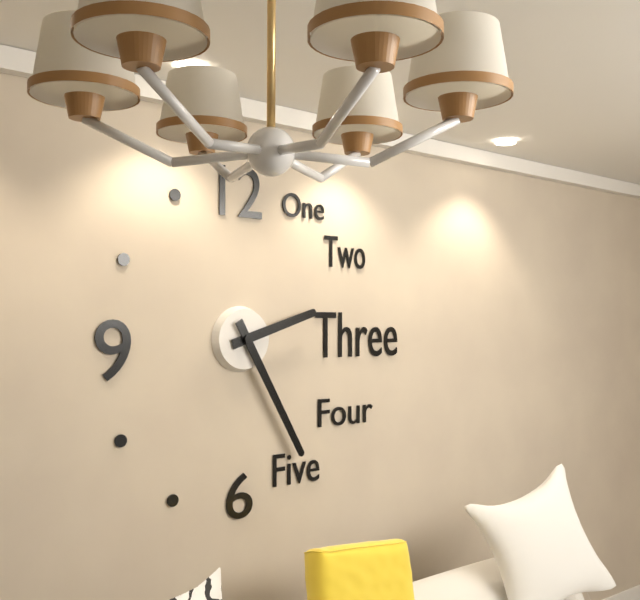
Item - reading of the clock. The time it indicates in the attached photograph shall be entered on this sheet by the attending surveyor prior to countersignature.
2:25
